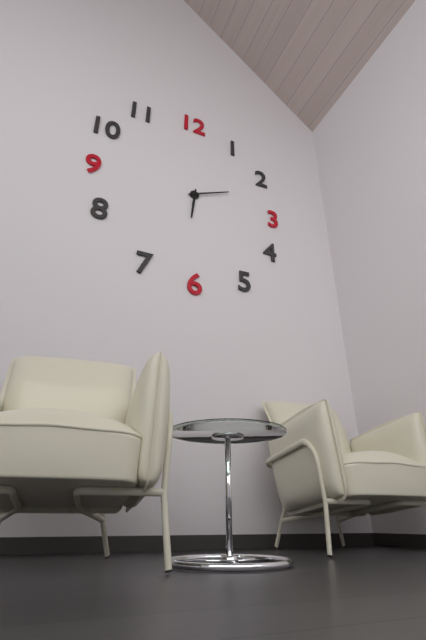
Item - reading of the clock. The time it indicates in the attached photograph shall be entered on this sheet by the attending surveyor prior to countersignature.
6:11
